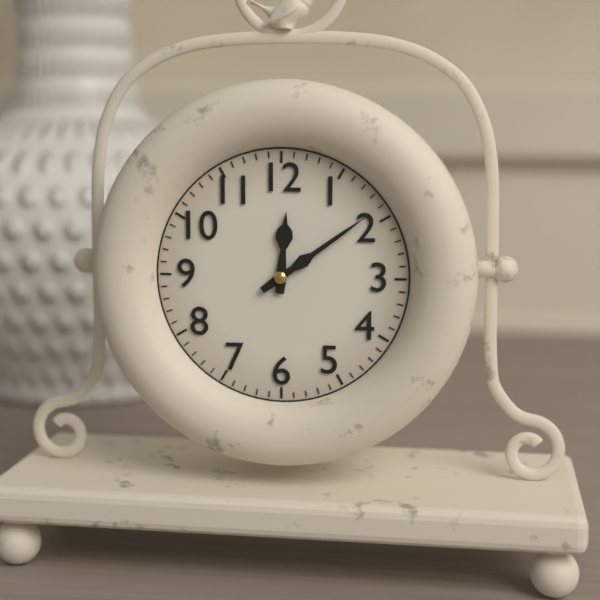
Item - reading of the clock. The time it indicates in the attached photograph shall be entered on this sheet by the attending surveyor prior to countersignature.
12:09
